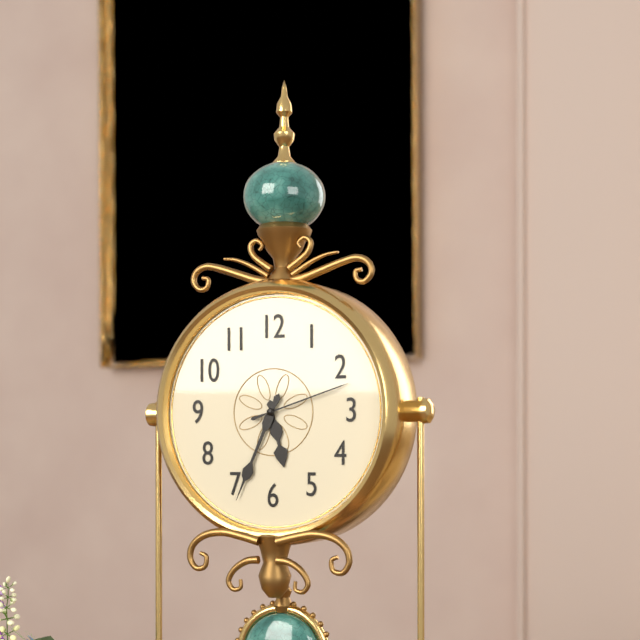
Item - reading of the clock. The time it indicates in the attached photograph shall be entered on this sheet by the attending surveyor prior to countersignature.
5:34:12
